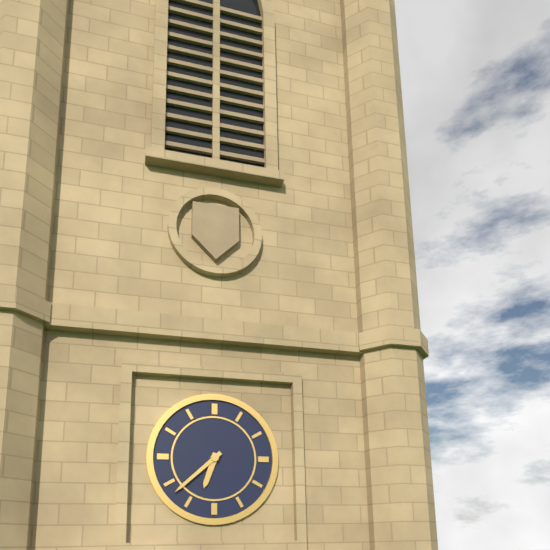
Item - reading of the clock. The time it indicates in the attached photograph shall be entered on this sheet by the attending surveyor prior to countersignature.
6:38
